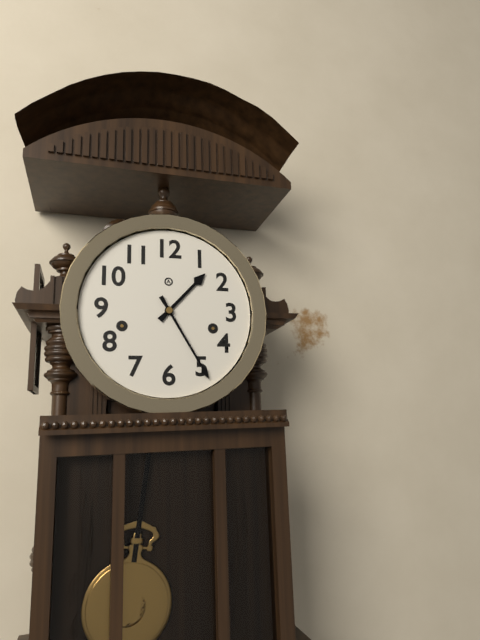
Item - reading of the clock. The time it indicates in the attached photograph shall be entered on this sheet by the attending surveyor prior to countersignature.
1:25
